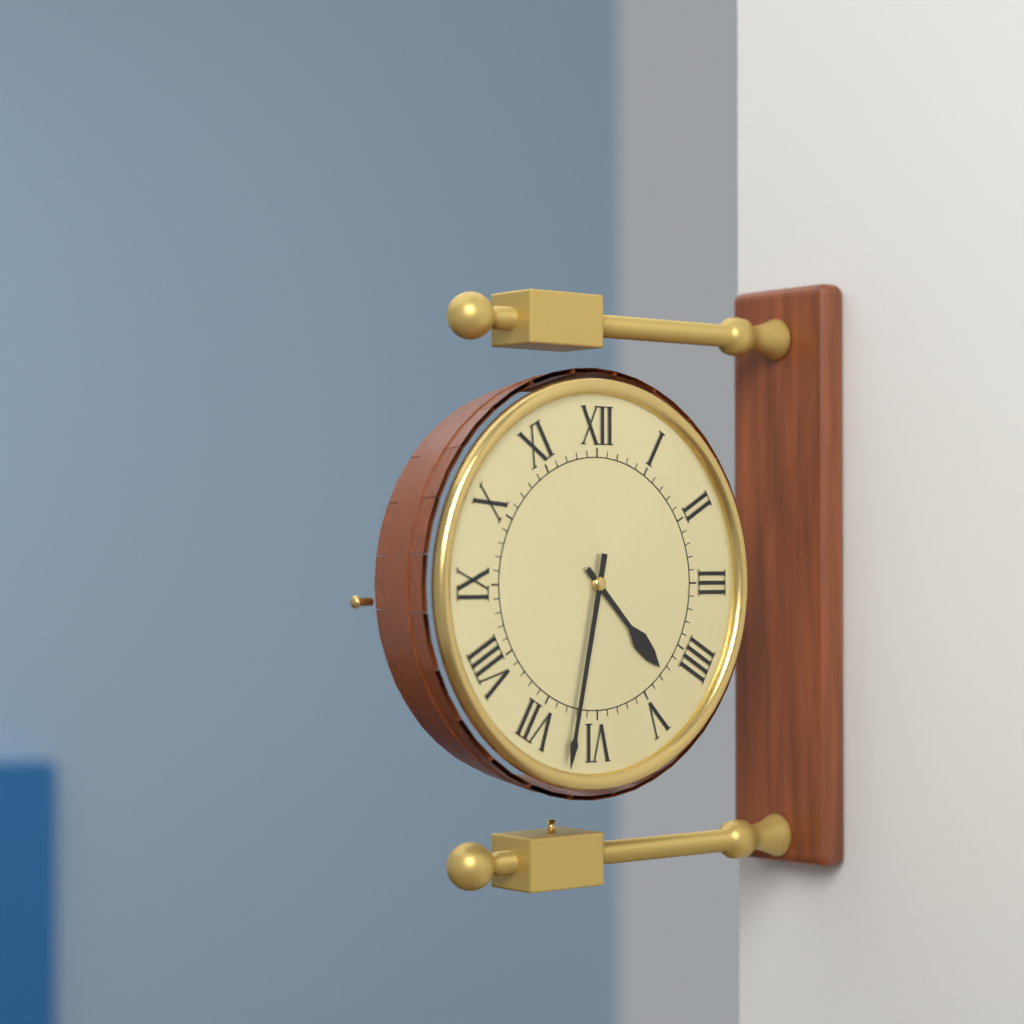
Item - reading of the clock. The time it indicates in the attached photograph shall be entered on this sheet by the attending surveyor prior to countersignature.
4:32
